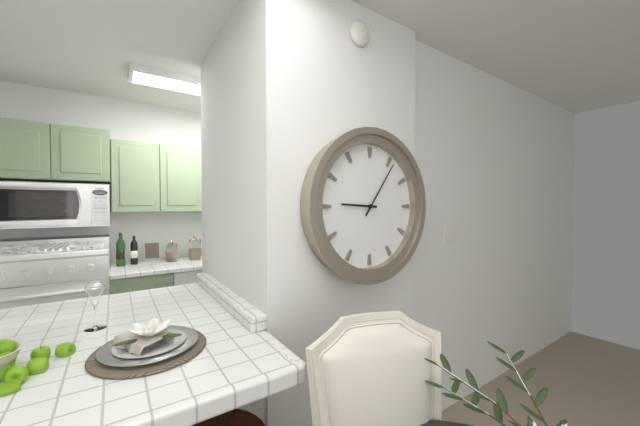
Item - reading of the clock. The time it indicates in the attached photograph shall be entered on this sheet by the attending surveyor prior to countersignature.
9:06
